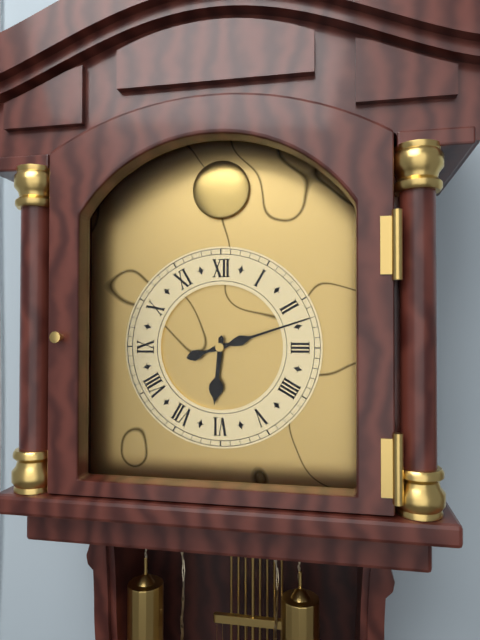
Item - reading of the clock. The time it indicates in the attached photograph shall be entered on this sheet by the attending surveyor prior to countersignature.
6:12
